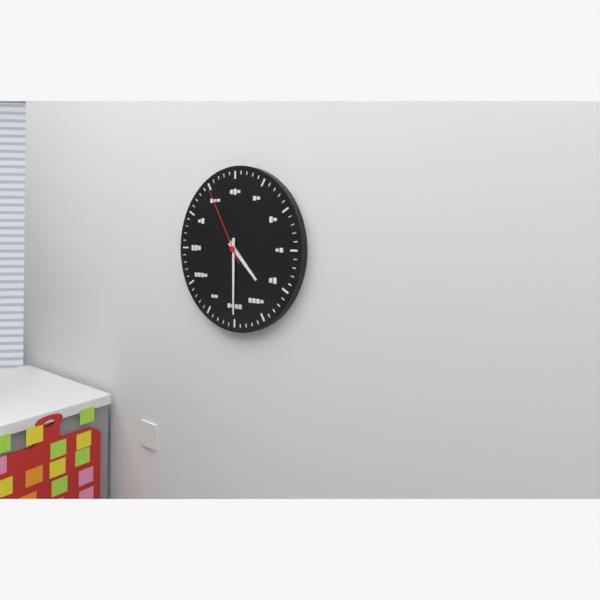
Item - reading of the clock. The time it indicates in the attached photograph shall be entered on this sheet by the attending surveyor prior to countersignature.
4:30:55
